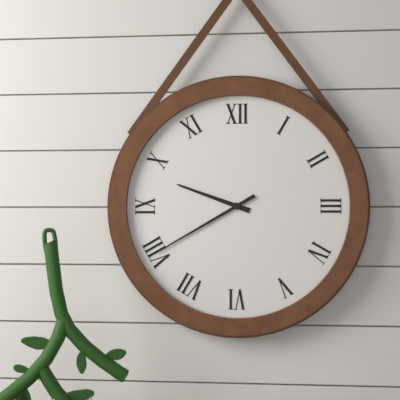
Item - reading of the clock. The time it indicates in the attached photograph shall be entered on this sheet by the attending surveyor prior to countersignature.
9:40
